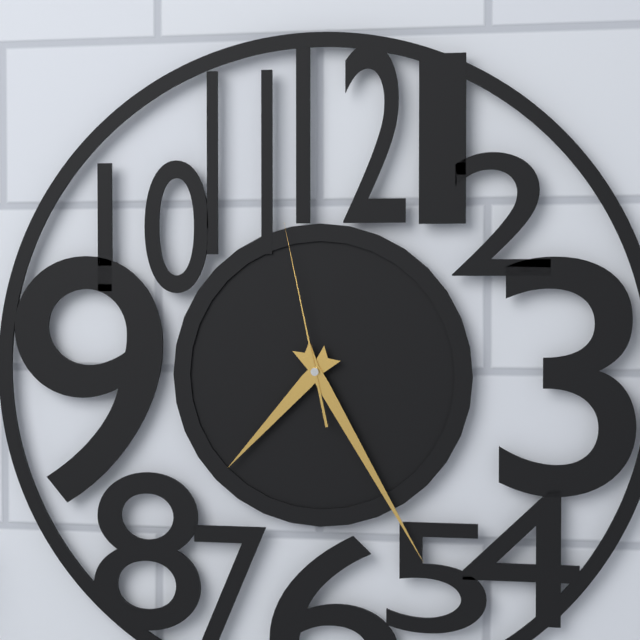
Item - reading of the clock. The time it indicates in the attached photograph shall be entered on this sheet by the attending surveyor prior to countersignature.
7:25:58
